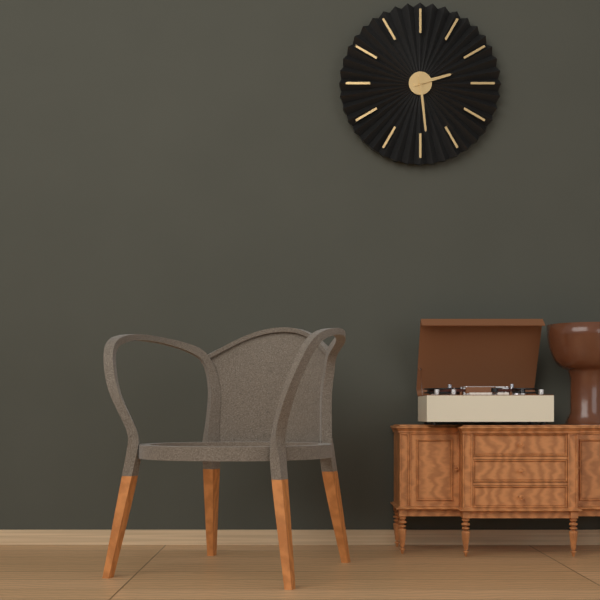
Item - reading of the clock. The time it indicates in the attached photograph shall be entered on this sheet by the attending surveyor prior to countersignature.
2:29
